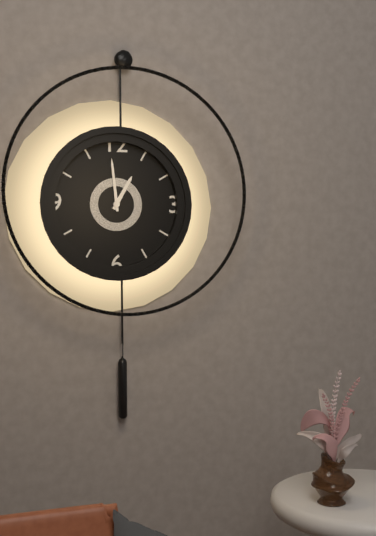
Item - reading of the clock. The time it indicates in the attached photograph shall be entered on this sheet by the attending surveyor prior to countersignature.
12:59
